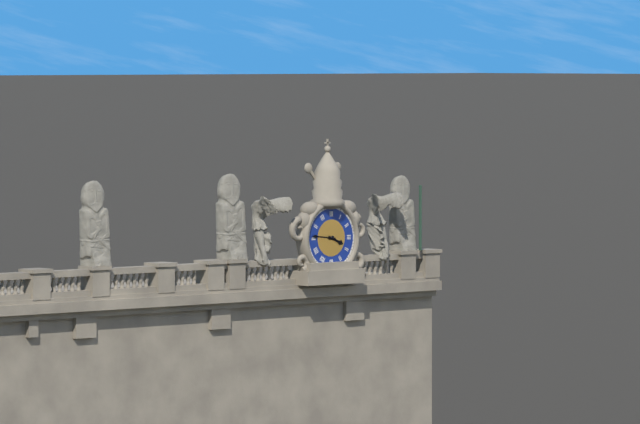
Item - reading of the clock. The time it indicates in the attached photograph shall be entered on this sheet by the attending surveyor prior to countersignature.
3:46
